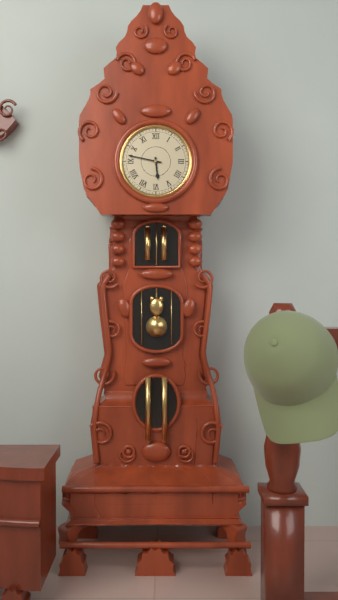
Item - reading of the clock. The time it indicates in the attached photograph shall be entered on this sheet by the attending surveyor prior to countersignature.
5:47
